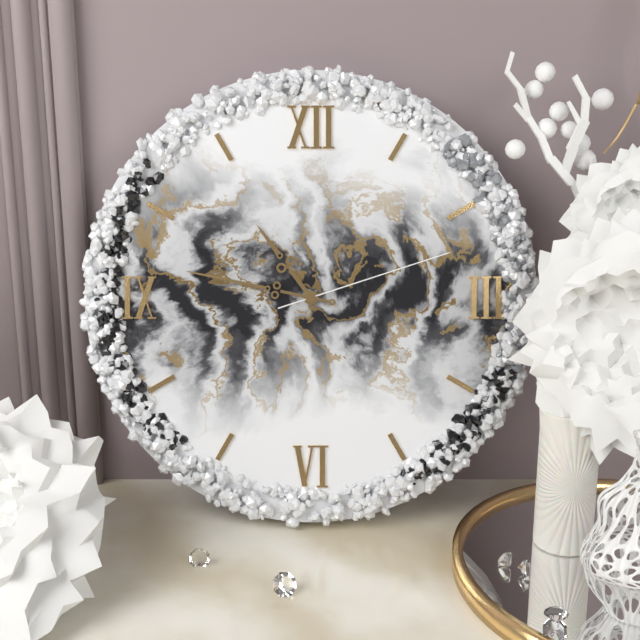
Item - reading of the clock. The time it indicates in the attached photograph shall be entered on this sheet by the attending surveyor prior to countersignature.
10:47:12
